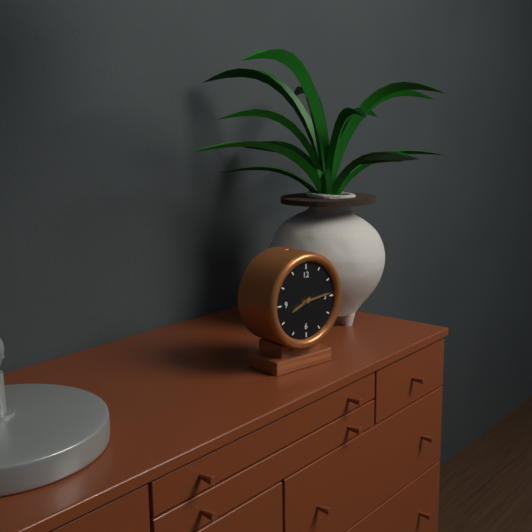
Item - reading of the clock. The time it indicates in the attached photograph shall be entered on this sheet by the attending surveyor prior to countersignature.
8:14
